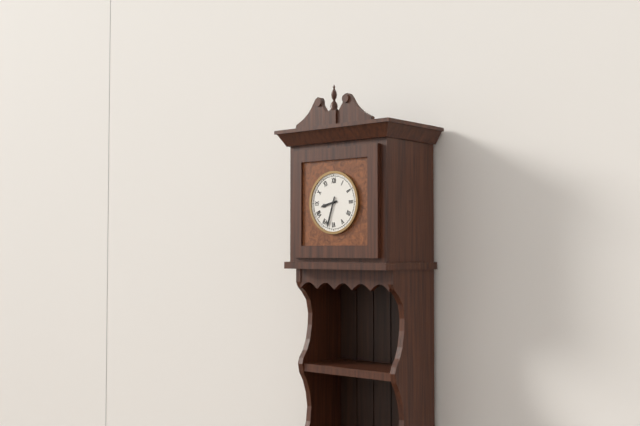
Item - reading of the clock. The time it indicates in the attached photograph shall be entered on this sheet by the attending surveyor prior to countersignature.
8:33
